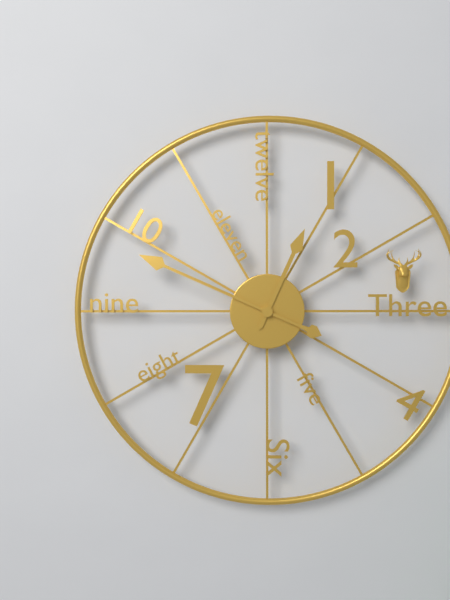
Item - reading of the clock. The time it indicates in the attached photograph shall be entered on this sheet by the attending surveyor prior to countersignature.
12:49
